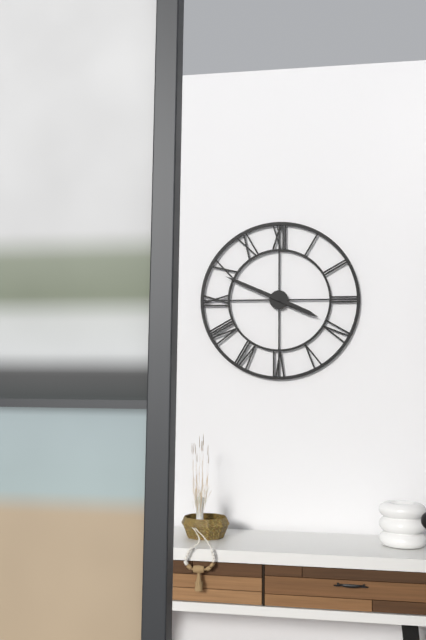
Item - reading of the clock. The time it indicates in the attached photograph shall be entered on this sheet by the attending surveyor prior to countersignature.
3:49
